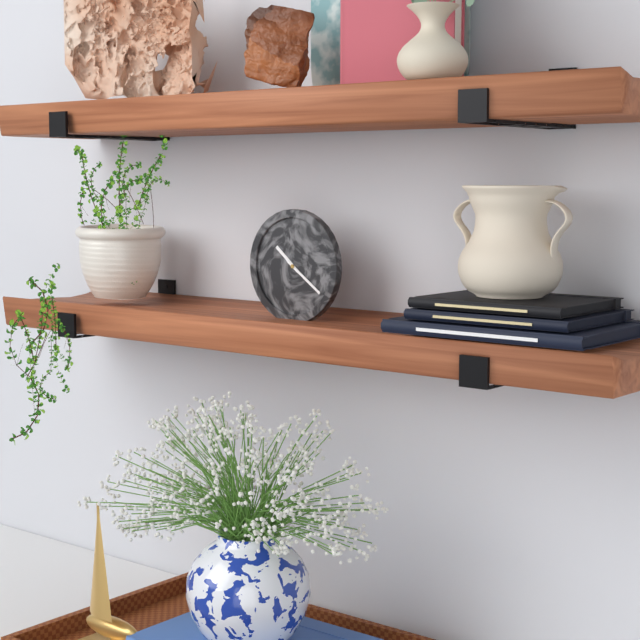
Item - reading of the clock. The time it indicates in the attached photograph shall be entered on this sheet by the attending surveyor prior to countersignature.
10:21
